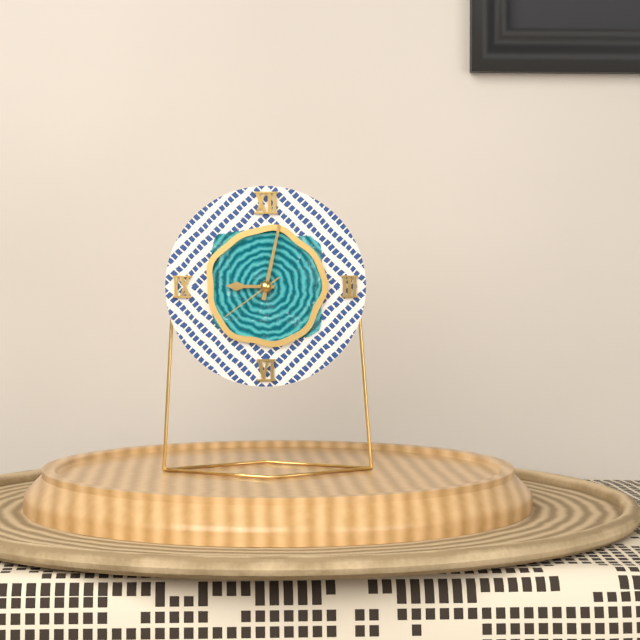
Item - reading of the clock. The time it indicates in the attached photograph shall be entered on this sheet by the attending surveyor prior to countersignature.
9:02:39
